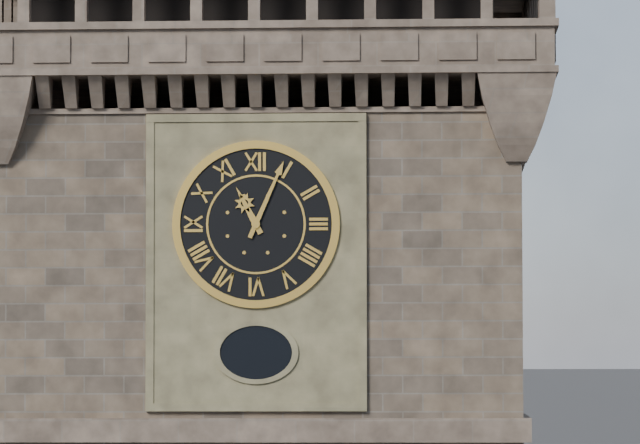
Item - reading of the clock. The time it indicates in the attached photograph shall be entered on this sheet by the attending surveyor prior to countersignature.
11:04
